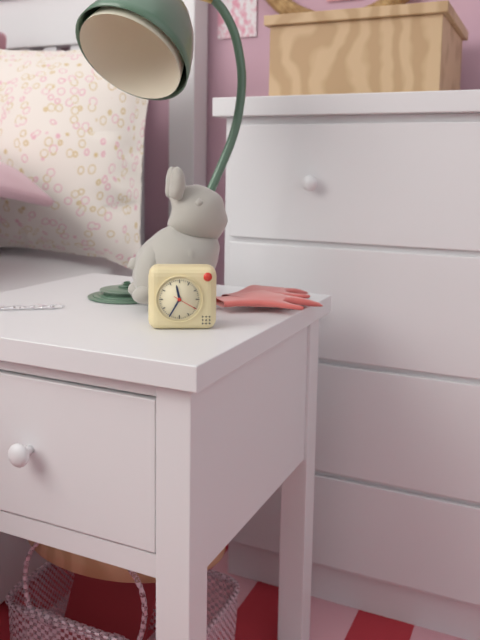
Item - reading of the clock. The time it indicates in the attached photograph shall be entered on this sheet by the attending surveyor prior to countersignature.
11:35
